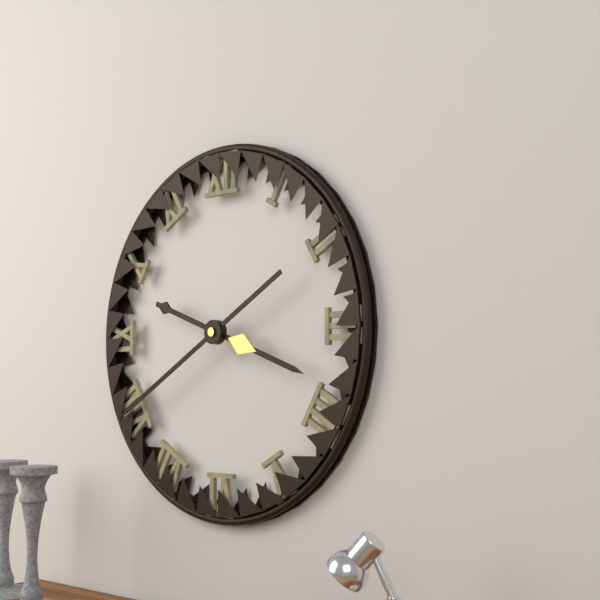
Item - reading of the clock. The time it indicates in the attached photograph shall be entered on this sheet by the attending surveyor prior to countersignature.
3:40
